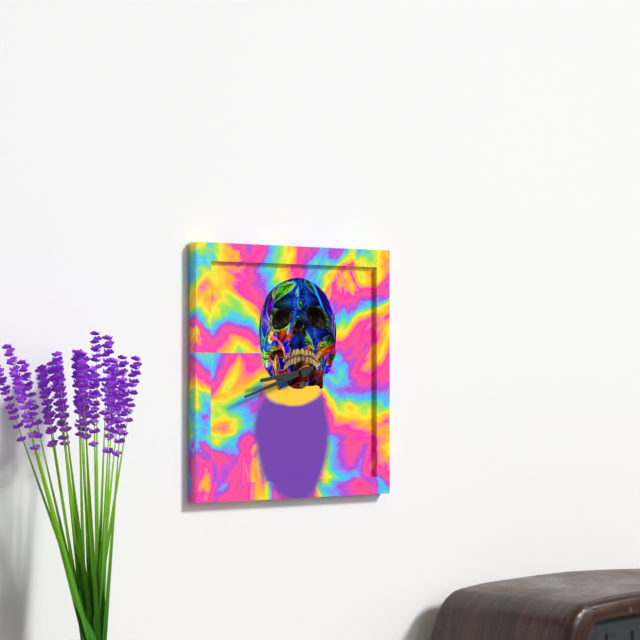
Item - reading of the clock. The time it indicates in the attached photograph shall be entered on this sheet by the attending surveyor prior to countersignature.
8:42
